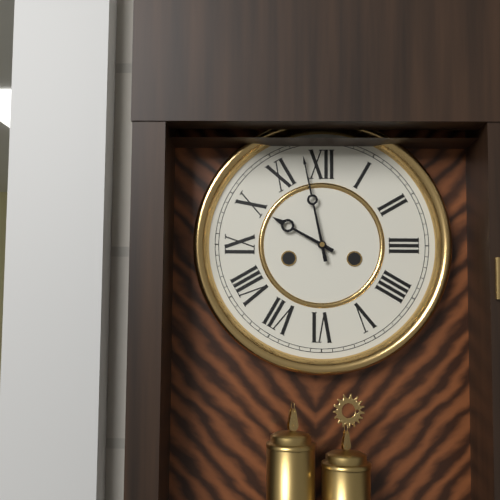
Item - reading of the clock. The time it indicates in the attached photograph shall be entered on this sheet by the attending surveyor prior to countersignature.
9:58
